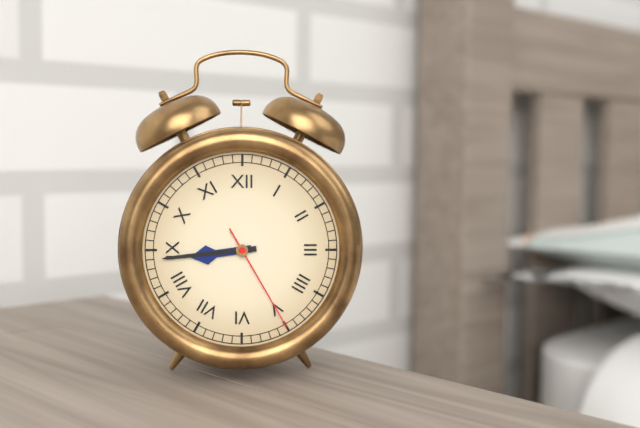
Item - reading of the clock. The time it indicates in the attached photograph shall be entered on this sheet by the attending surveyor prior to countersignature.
8:44:25
